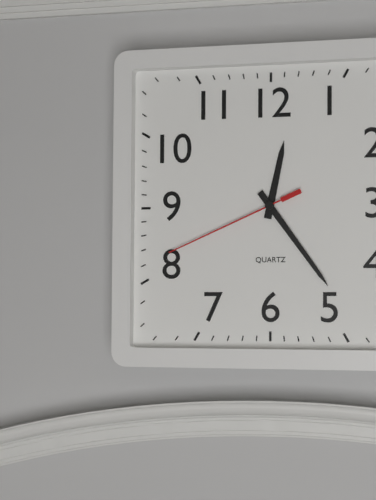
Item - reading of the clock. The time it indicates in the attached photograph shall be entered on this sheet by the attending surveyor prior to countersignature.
12:24:41
